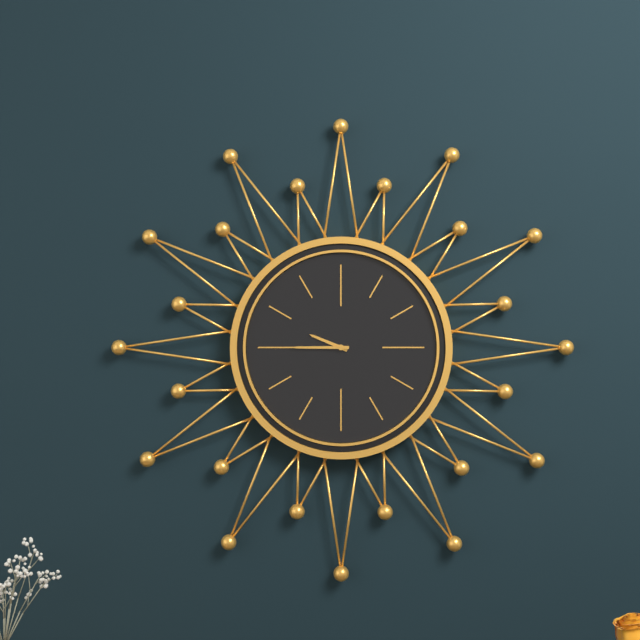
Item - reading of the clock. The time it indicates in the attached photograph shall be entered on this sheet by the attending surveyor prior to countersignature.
9:45
